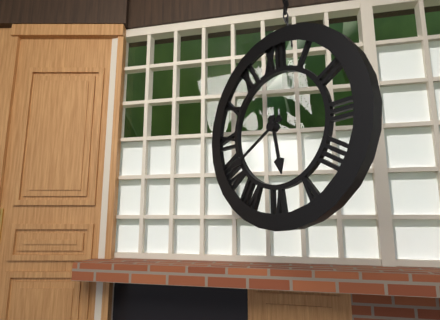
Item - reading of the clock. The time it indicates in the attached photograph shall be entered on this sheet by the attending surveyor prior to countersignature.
5:40
